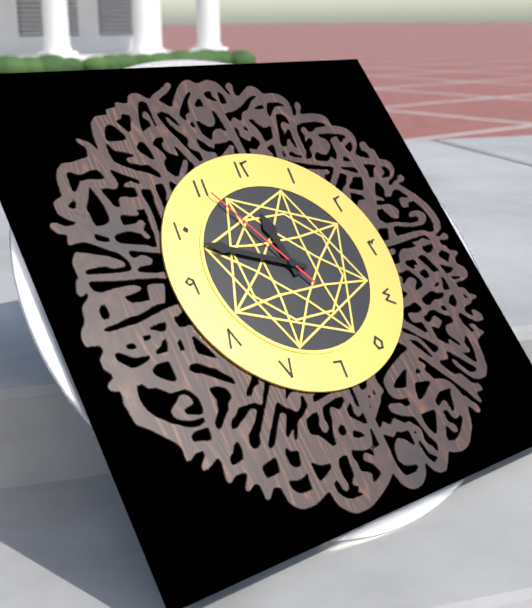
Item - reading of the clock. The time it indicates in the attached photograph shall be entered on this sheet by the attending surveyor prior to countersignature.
11:49:55
